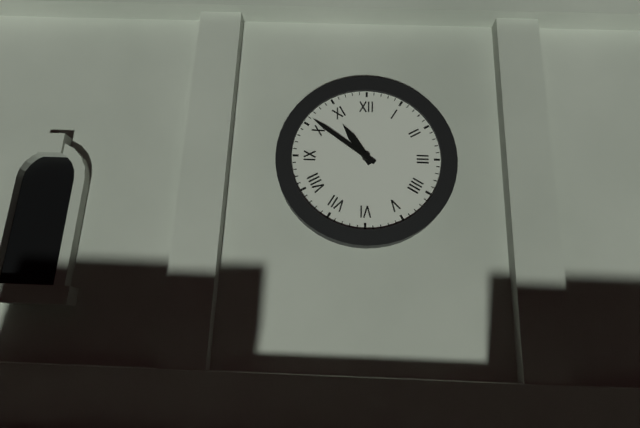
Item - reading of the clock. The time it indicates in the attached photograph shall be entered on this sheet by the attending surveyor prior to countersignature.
10:51
